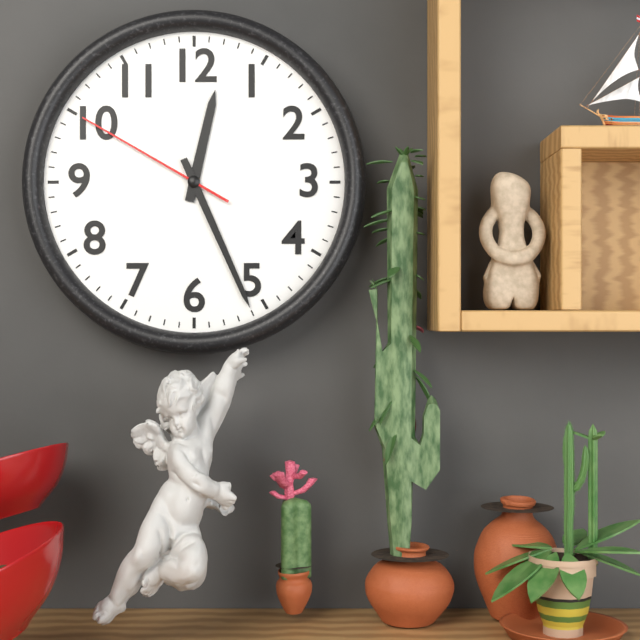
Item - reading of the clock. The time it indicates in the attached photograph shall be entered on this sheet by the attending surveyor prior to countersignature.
12:26:50
